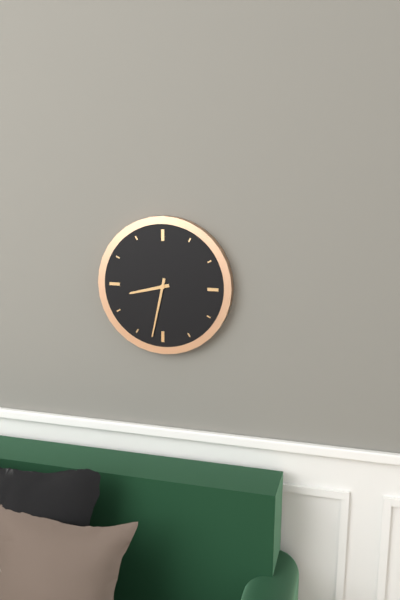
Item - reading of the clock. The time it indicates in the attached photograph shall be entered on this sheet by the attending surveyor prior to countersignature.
8:32
